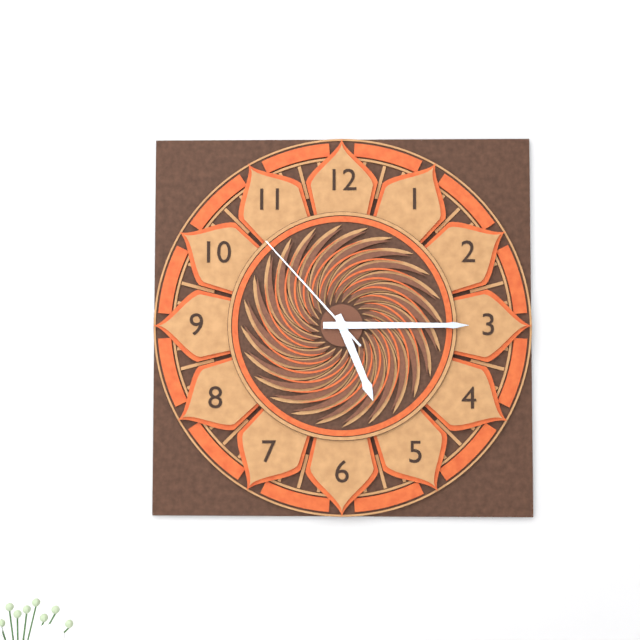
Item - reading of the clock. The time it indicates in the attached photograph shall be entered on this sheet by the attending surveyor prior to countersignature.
5:15:53
